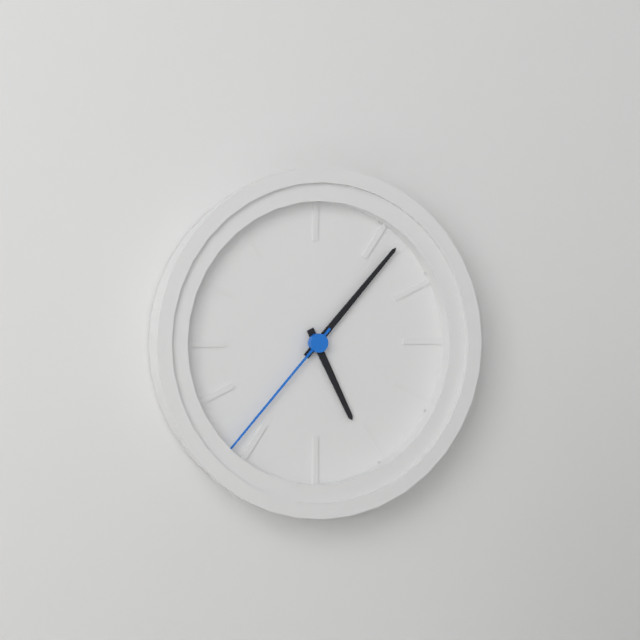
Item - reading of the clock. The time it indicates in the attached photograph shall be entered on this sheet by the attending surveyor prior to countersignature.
5:07:37
